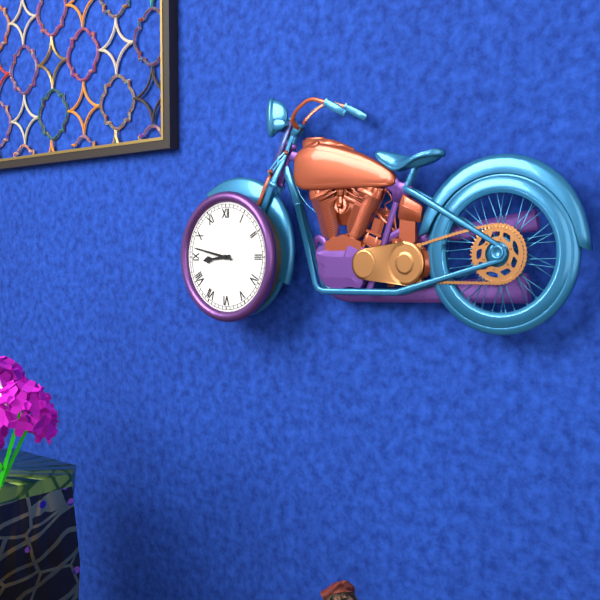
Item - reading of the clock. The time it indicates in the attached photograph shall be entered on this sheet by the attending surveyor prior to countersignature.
8:47
